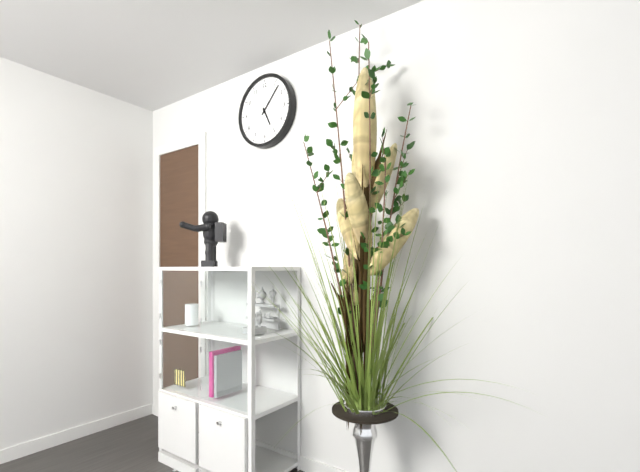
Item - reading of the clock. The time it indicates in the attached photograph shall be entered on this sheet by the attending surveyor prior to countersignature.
5:07
